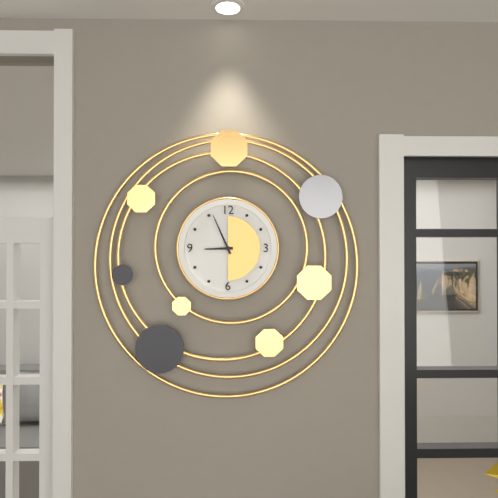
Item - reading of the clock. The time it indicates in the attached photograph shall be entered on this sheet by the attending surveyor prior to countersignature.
8:56
